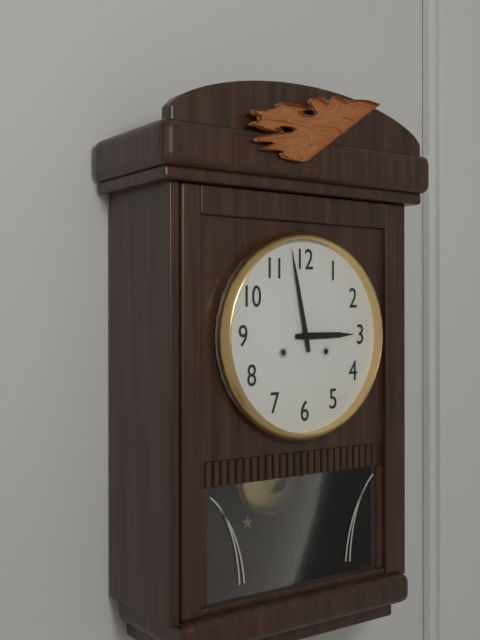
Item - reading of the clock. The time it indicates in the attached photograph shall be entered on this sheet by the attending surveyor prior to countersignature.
2:58
